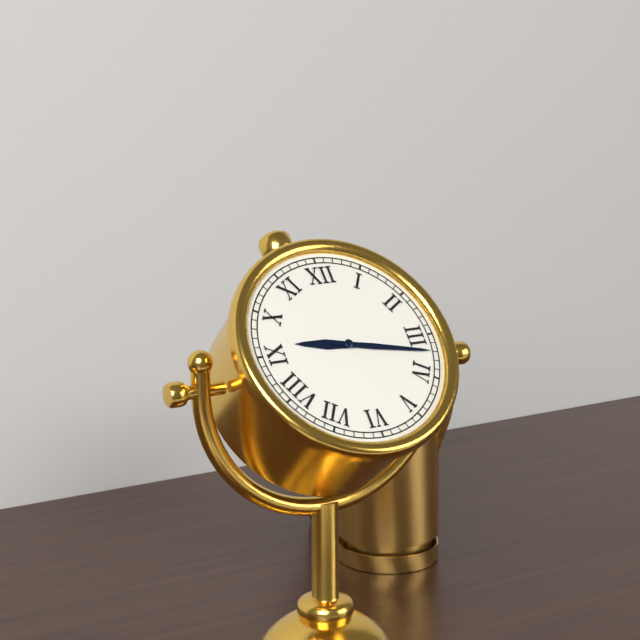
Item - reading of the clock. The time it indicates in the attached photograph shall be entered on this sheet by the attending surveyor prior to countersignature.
9:17
